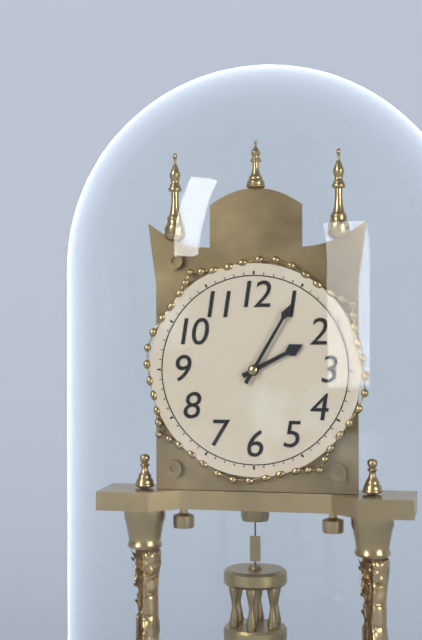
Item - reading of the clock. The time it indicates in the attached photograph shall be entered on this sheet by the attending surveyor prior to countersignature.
2:05
